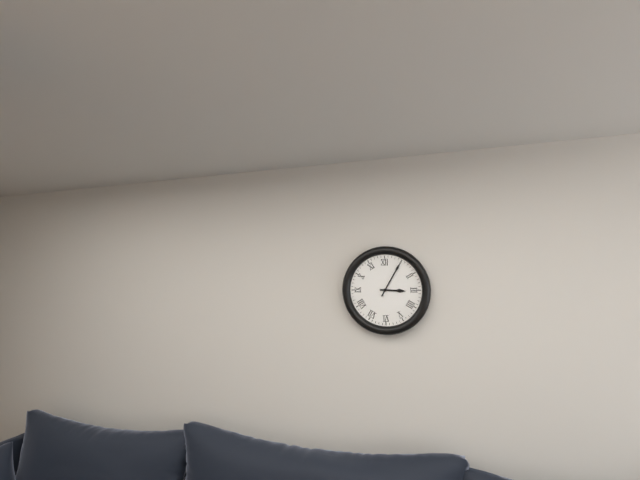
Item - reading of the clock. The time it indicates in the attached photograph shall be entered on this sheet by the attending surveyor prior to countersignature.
3:05
